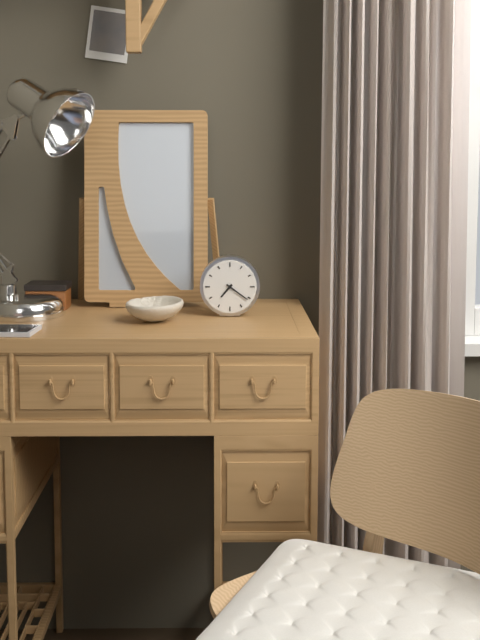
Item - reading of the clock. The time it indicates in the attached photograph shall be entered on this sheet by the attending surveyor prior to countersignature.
7:21
